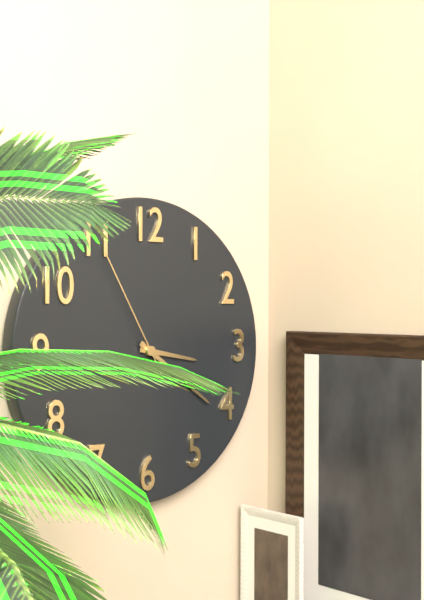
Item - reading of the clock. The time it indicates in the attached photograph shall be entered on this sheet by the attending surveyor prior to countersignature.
3:21:55
